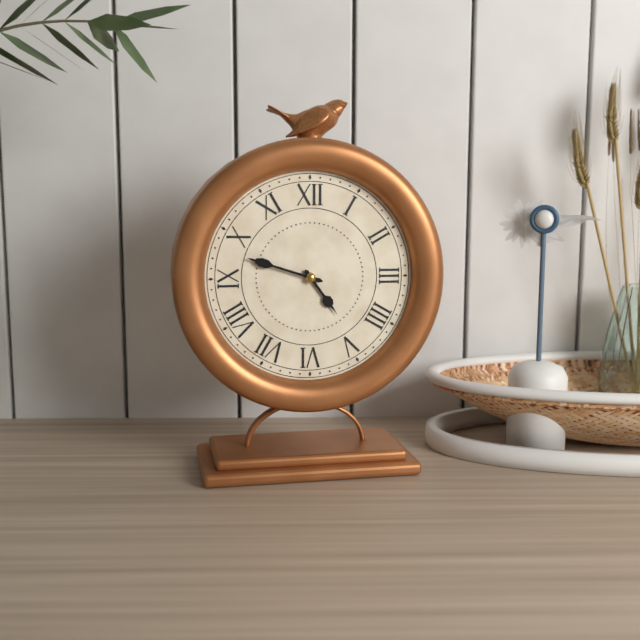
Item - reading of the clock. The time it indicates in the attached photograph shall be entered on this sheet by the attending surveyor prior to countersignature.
4:48
